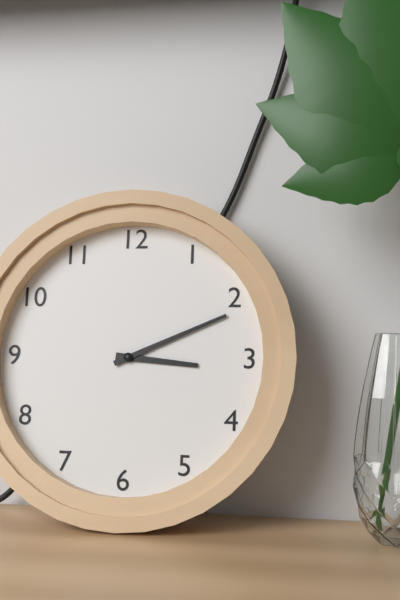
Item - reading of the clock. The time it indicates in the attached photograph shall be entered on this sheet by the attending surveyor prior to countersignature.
3:11
